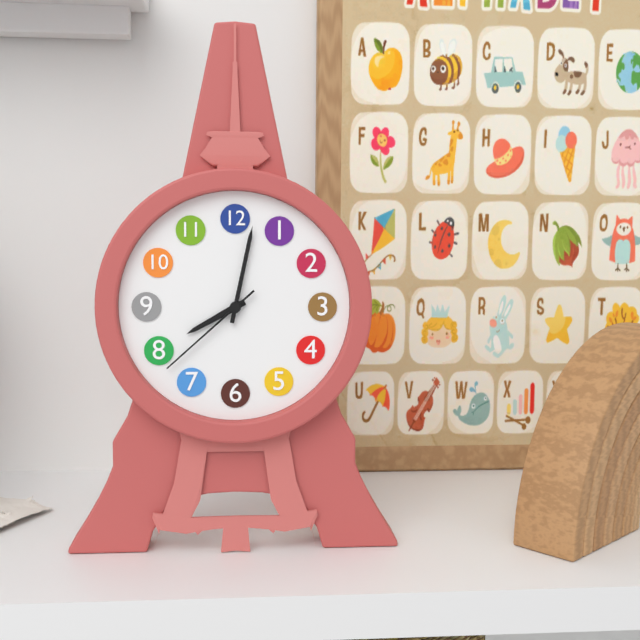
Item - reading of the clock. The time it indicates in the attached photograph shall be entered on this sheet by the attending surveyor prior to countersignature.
8:02:38
